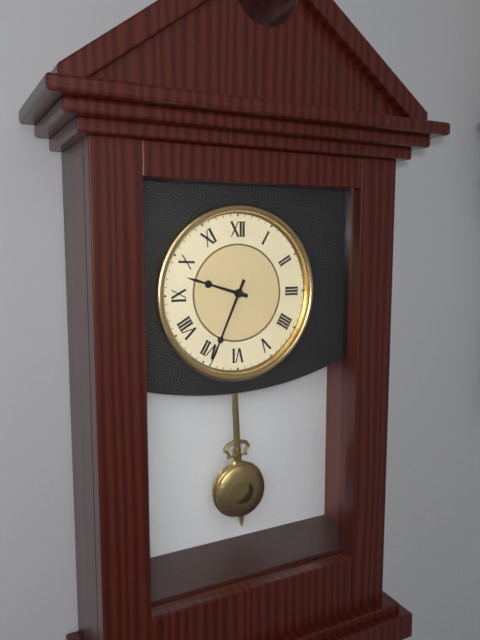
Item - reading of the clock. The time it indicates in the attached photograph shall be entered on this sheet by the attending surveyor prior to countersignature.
9:34
